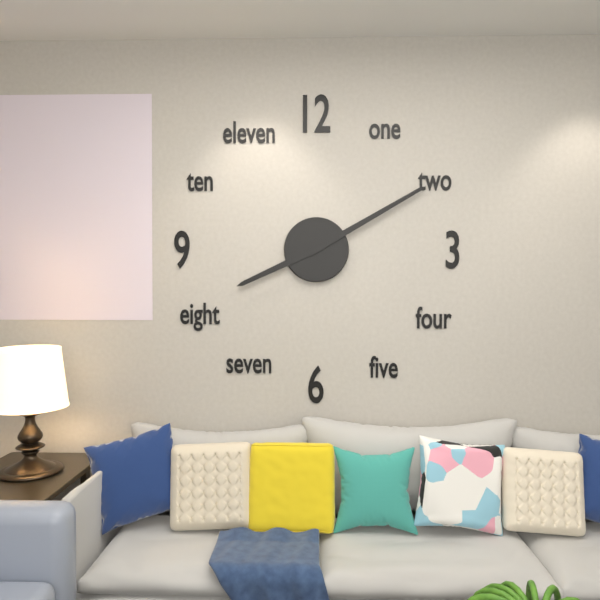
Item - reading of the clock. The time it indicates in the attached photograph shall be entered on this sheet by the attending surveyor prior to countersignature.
8:10
